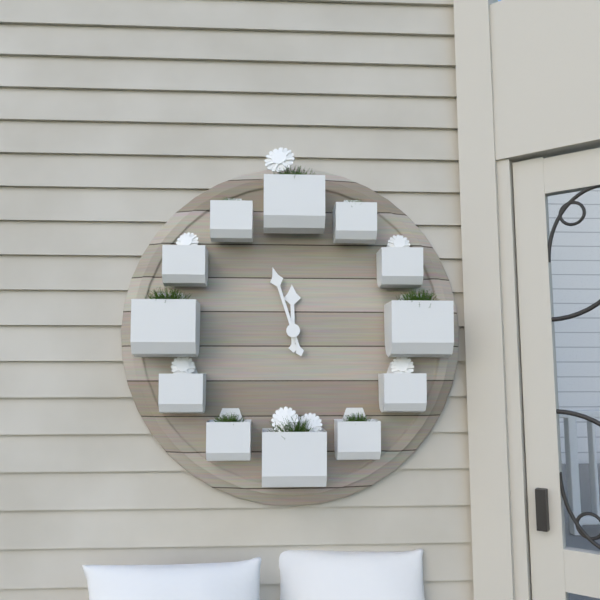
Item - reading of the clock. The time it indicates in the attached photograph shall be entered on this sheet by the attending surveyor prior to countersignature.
11:57
